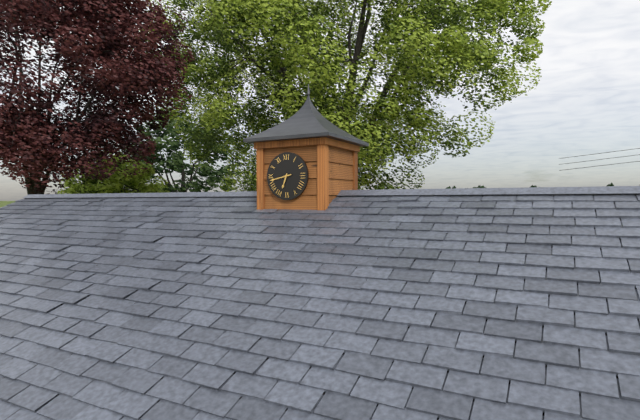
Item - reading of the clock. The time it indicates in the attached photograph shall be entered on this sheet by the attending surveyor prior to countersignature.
6:43
